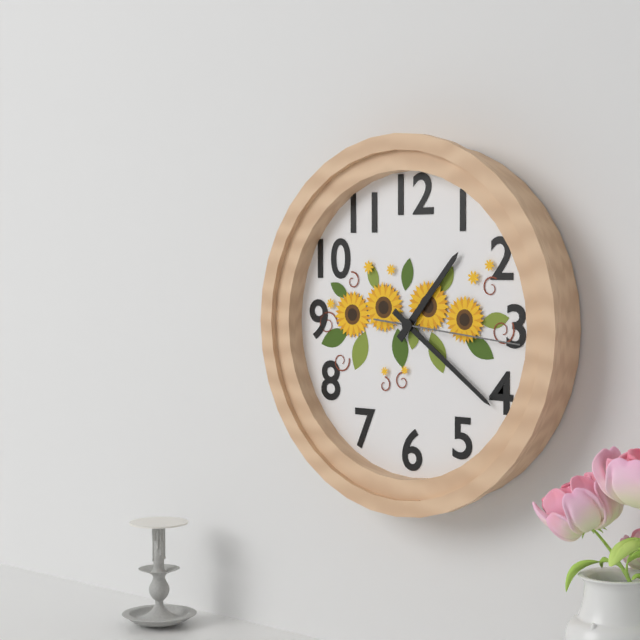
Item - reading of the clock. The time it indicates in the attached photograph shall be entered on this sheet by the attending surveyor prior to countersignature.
1:21:16
